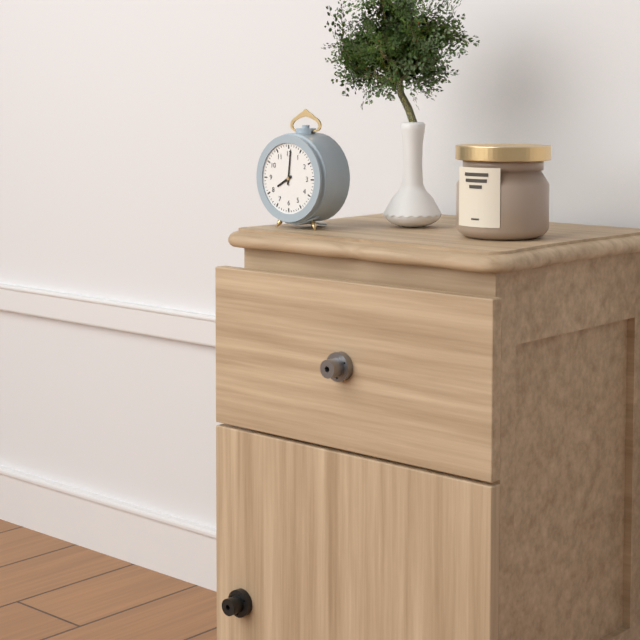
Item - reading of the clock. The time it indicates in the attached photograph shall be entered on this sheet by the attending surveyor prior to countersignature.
8:01
